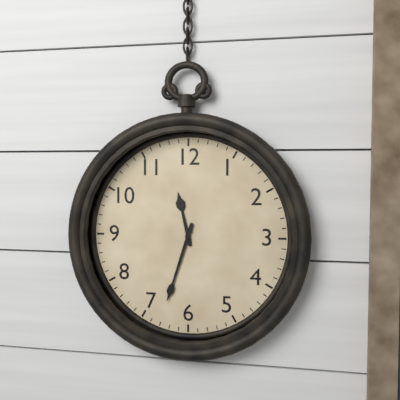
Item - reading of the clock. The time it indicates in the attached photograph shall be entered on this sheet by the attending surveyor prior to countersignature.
11:33
